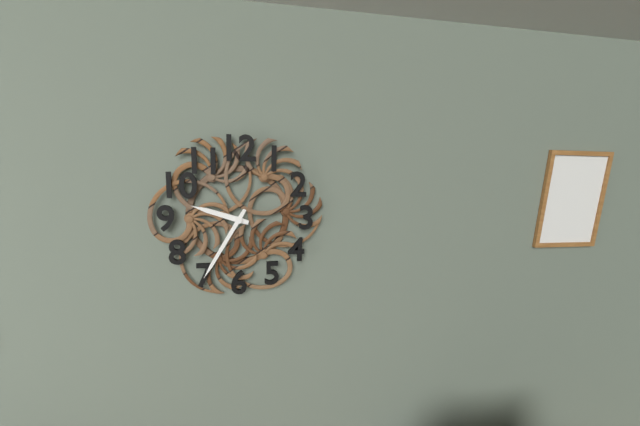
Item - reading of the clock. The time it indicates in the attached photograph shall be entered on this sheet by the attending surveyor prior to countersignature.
9:35
